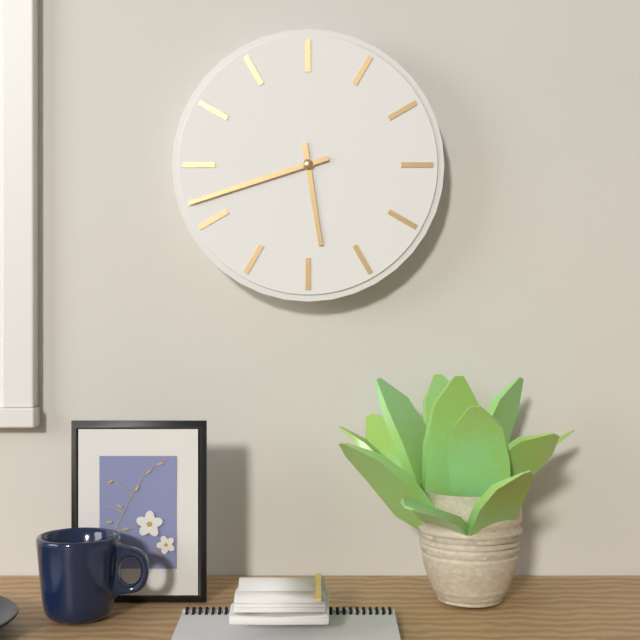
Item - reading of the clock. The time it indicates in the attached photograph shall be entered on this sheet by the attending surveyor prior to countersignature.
5:42
